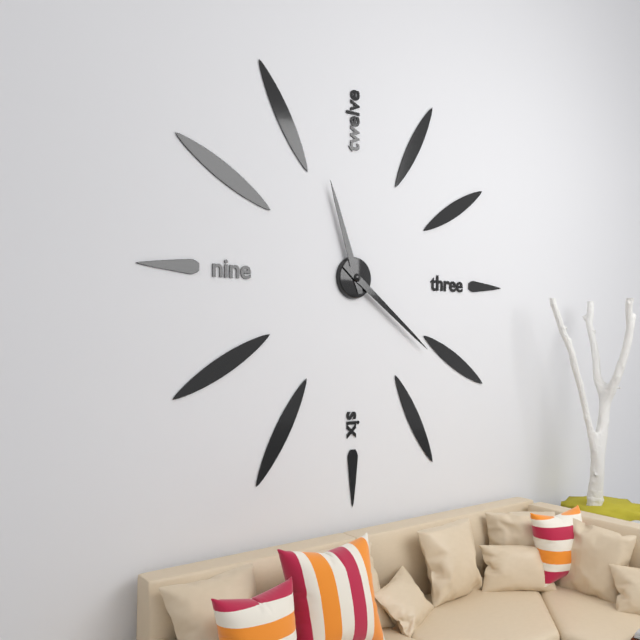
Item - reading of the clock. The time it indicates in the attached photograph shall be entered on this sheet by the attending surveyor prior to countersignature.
11:21
